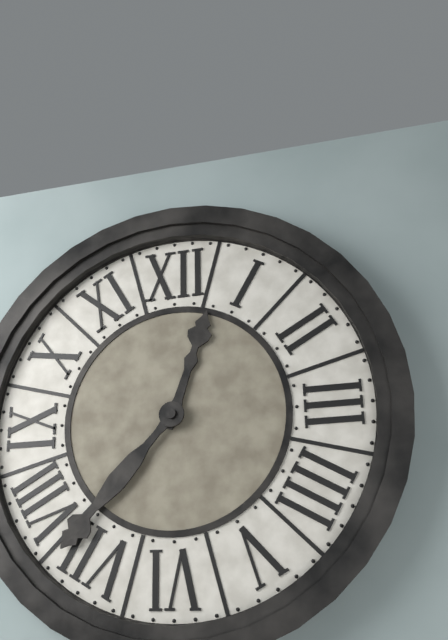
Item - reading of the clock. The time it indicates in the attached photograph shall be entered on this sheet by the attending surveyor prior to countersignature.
12:37
